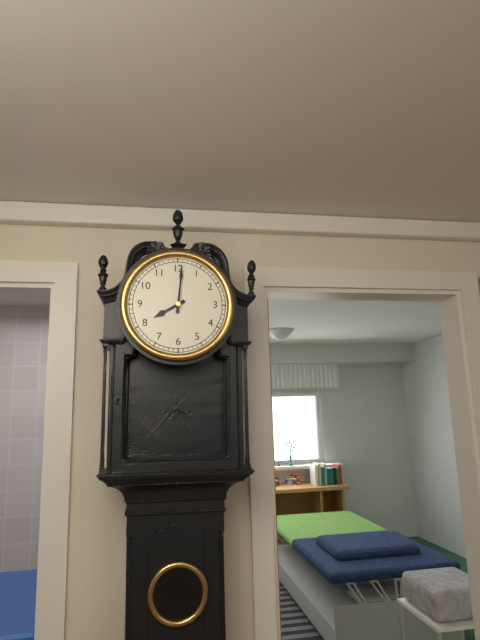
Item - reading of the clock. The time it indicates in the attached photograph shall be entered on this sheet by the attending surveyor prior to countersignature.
8:01
